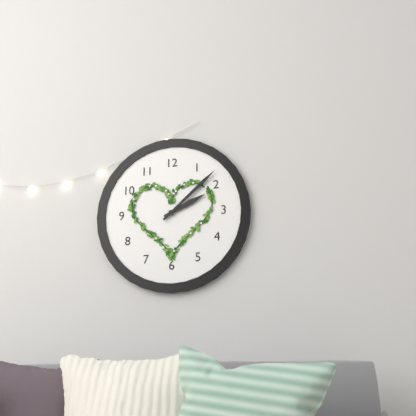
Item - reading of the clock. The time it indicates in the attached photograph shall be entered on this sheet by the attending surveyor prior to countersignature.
2:08
